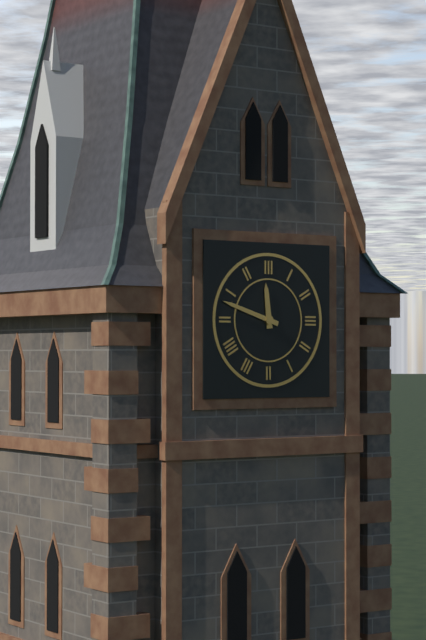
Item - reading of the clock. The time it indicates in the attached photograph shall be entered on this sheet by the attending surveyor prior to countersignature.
11:48
